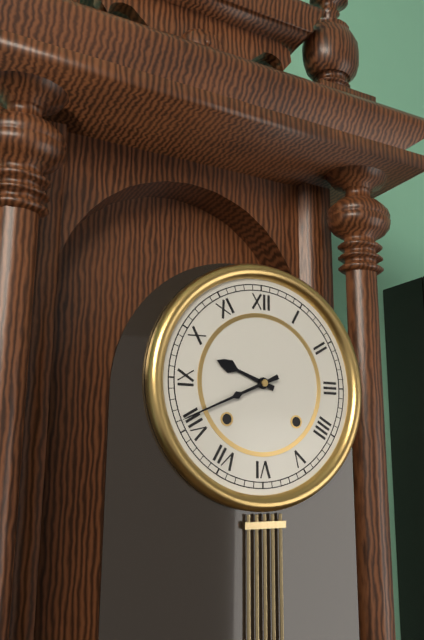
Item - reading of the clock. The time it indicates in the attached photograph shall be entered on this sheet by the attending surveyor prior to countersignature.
9:41
